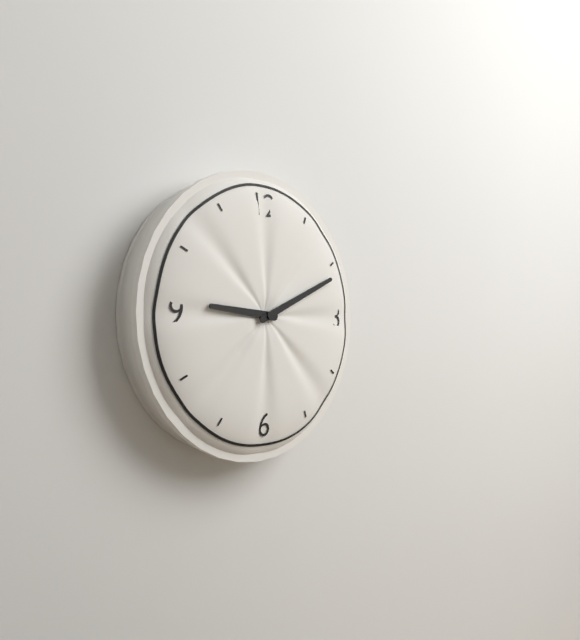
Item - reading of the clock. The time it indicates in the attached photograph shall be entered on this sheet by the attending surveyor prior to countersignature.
9:11
